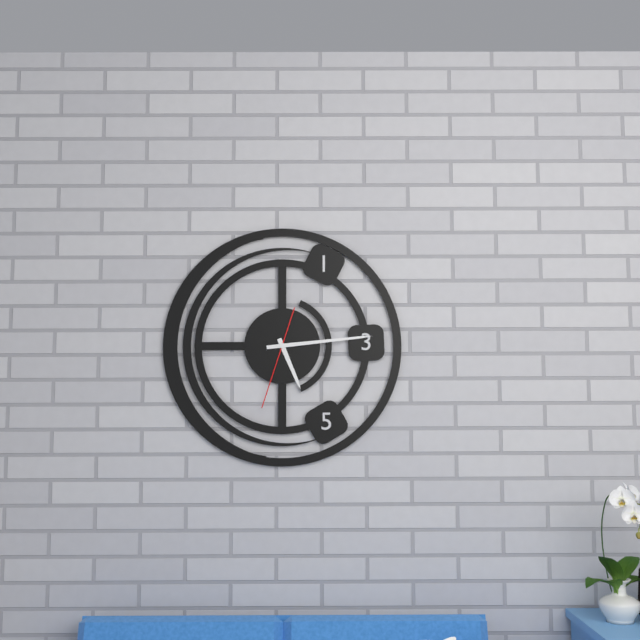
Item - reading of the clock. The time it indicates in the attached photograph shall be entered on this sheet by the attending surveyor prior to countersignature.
5:14:33
